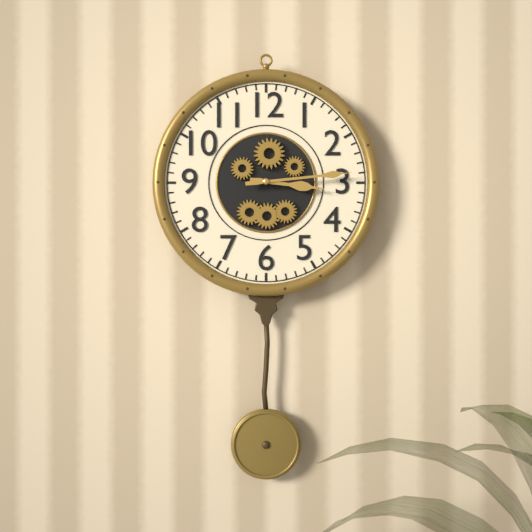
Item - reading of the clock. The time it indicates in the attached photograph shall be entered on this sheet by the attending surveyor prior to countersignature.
3:14
